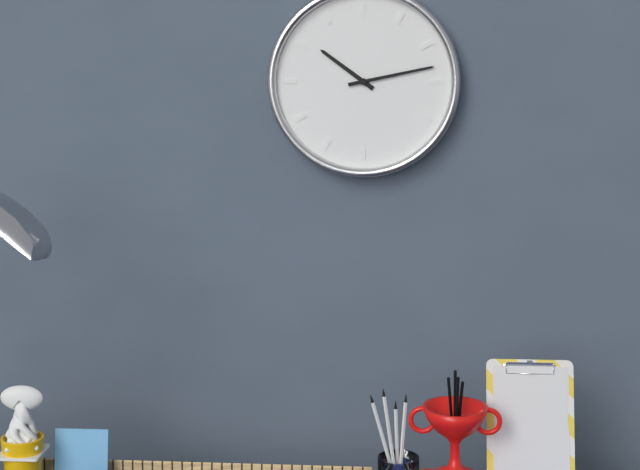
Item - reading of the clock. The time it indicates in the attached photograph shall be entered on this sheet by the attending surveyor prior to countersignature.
10:13
